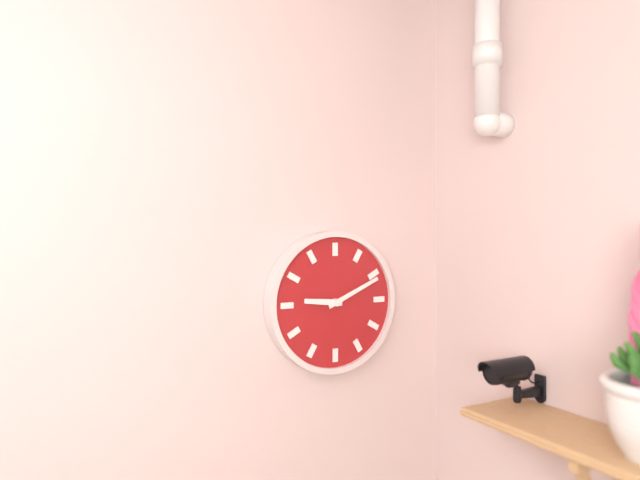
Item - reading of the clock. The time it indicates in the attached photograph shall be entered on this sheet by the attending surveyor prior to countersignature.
9:11
